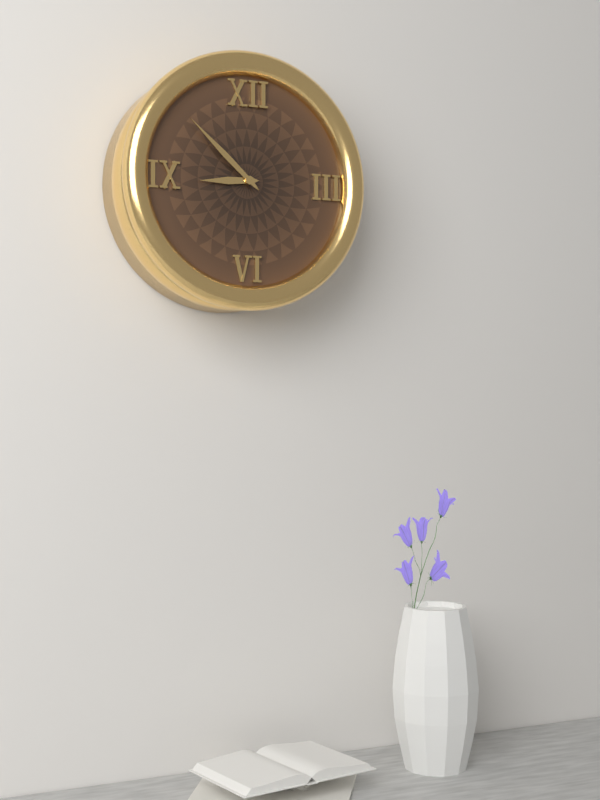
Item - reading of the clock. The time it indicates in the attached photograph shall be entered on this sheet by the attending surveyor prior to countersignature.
8:52
